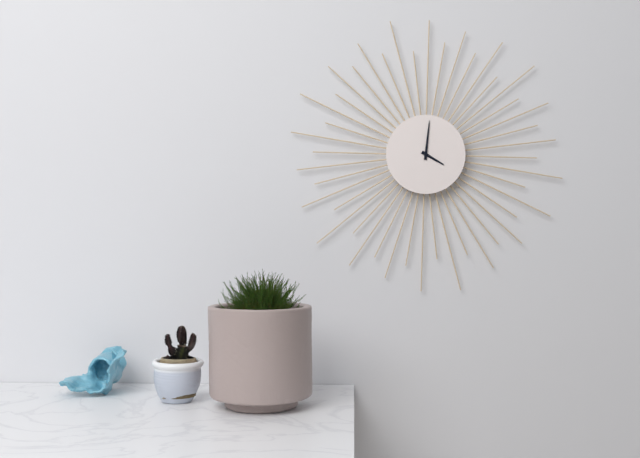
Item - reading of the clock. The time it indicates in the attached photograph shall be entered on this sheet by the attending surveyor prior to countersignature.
4:01
